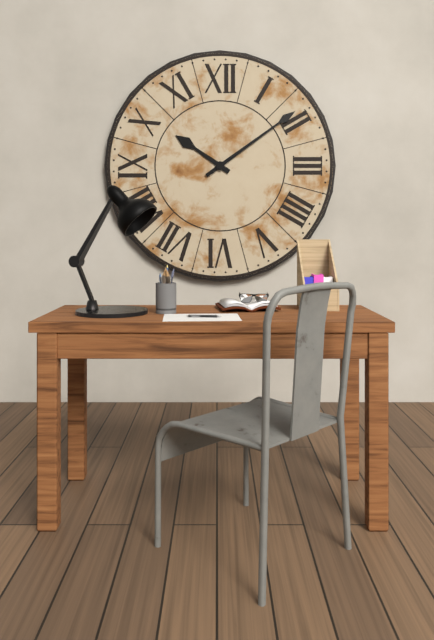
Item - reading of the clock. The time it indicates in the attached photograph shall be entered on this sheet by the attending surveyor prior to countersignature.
10:09
